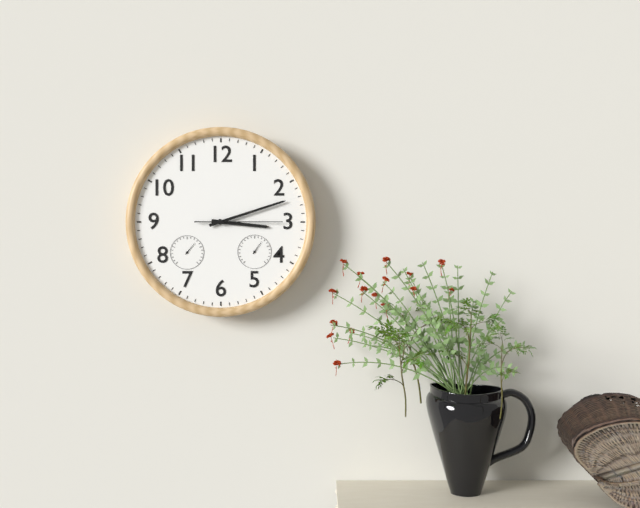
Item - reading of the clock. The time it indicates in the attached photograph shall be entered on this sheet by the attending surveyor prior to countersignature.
3:12:15
